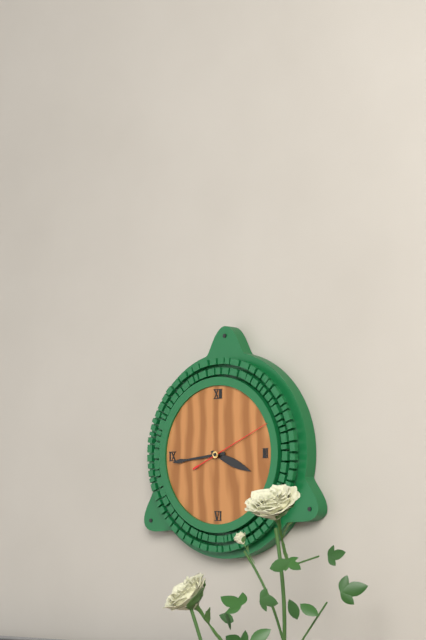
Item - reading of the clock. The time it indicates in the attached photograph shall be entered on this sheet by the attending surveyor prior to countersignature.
3:44:11
